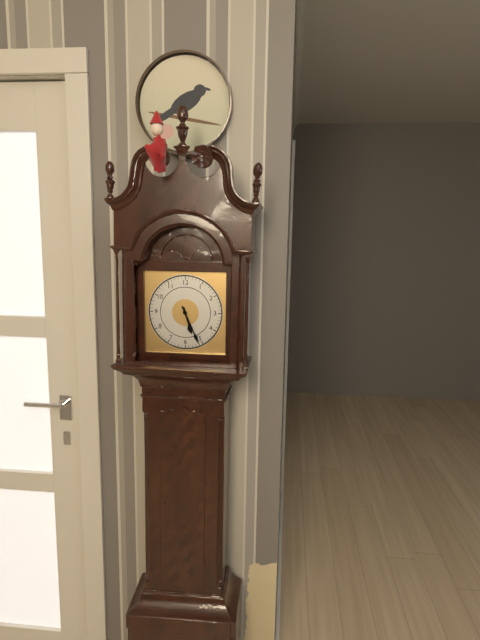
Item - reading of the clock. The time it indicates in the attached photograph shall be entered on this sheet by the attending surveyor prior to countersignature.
5:26
